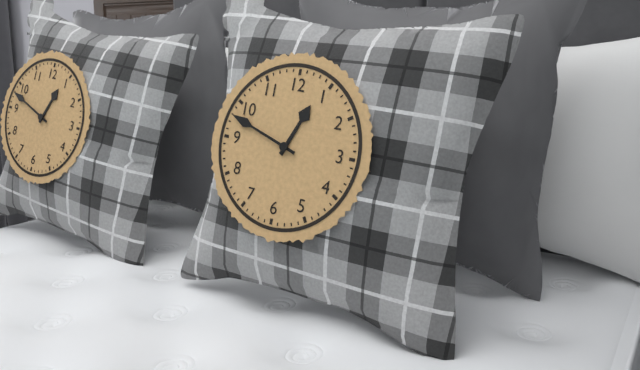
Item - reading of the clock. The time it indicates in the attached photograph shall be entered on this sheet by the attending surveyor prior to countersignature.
12:48
